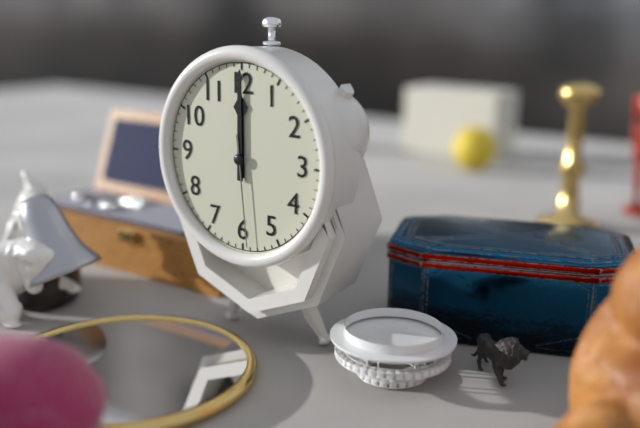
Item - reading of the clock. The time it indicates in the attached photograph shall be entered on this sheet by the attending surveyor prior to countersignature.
12:00:29
